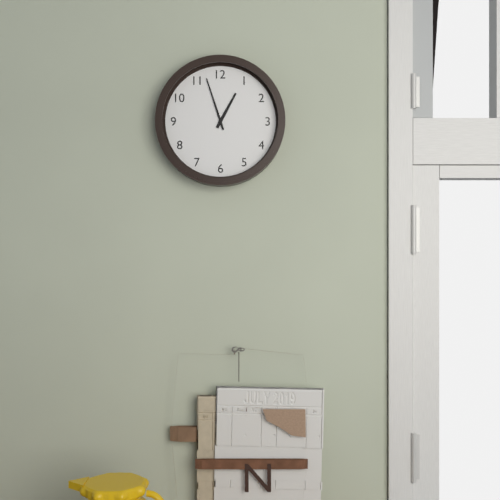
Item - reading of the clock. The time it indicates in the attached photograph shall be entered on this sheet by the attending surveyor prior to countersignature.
12:57
